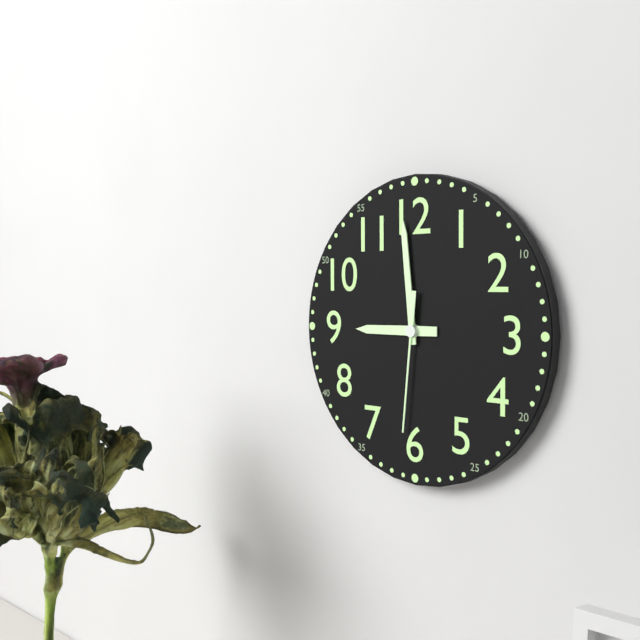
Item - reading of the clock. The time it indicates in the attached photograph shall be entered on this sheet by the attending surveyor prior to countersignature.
8:59:31
